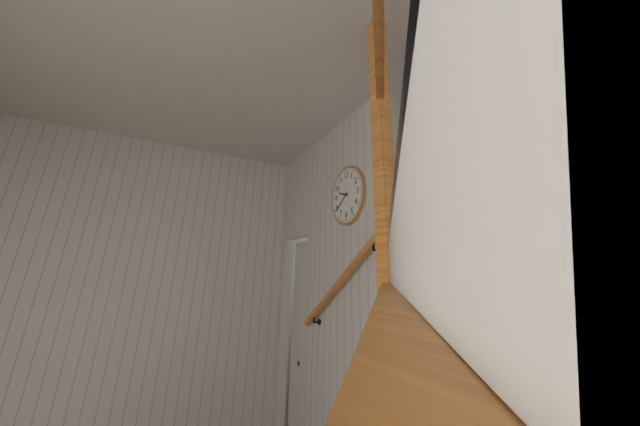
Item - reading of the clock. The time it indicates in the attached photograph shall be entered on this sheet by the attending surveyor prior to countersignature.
9:39
